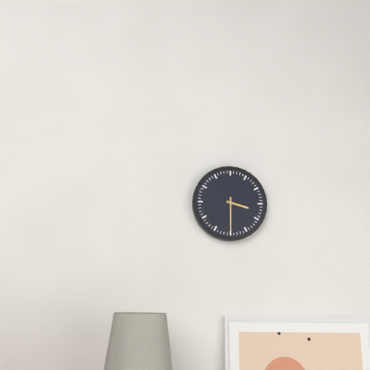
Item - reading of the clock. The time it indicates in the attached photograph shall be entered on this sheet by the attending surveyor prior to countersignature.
3:30
